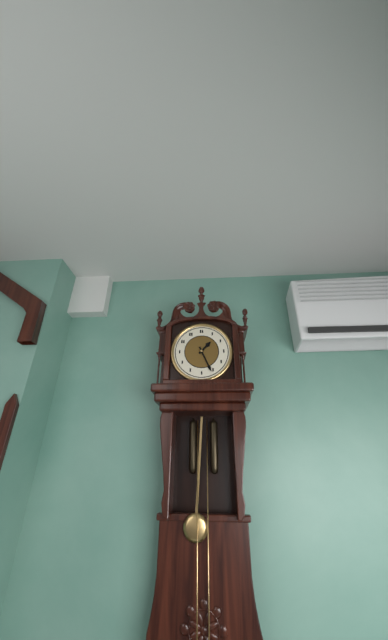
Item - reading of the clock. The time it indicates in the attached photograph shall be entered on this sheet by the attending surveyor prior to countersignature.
1:26
